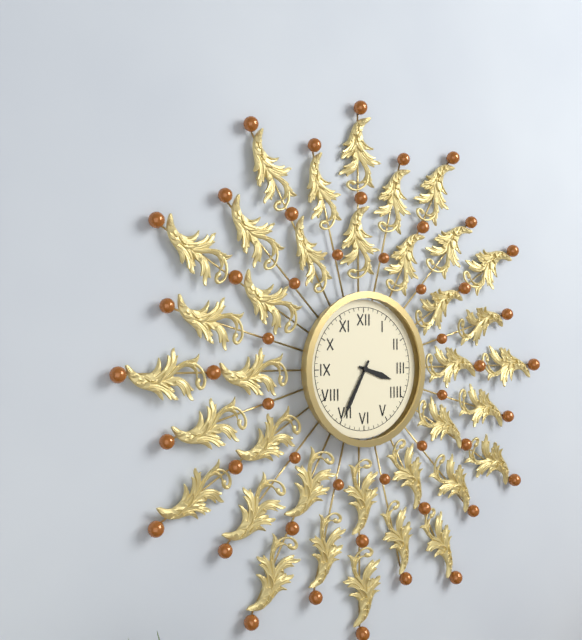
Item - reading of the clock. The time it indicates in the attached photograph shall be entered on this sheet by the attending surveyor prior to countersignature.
3:35
